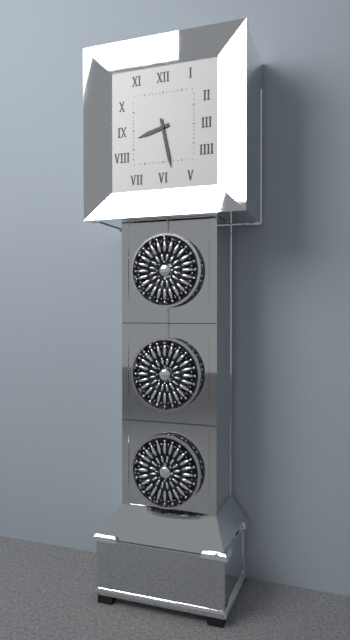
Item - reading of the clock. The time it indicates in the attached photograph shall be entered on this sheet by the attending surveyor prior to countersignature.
8:28
